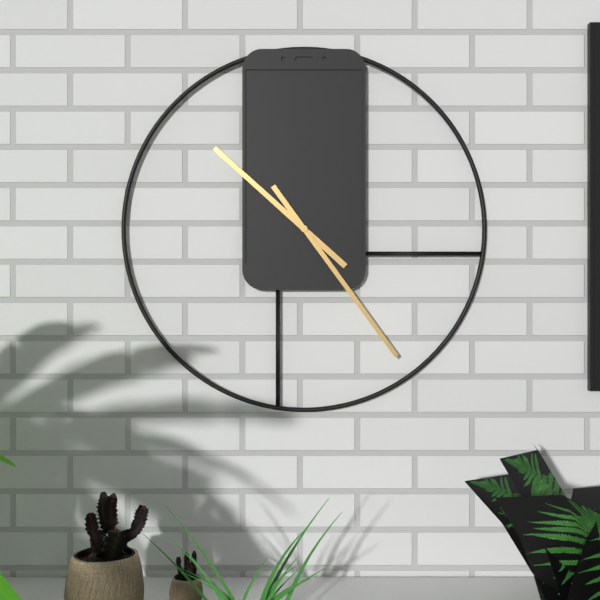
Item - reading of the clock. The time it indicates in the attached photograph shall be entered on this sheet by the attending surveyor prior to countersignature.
10:24
